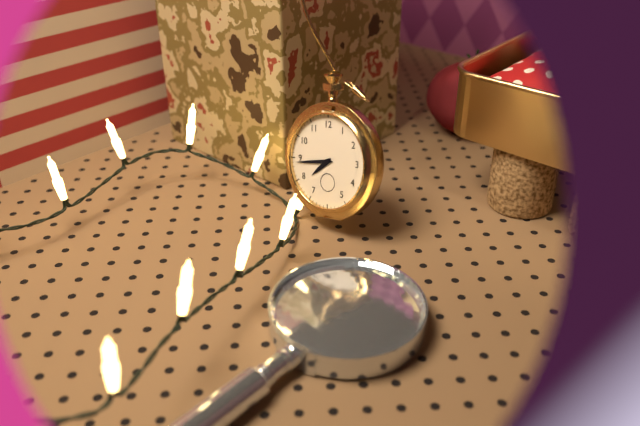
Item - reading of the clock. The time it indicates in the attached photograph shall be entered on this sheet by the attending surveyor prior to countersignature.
7:44
